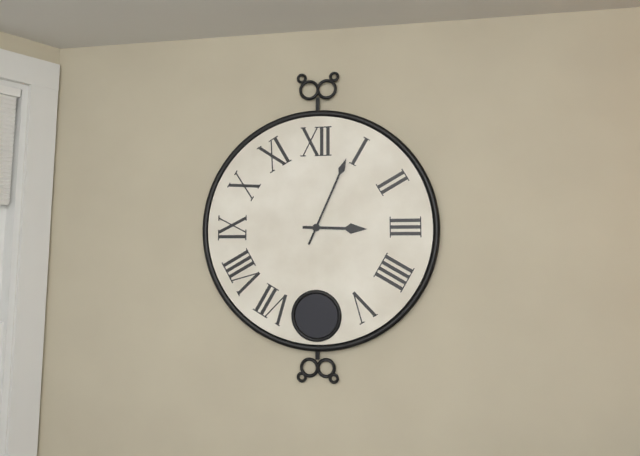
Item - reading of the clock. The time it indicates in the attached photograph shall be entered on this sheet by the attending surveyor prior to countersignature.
3:04
